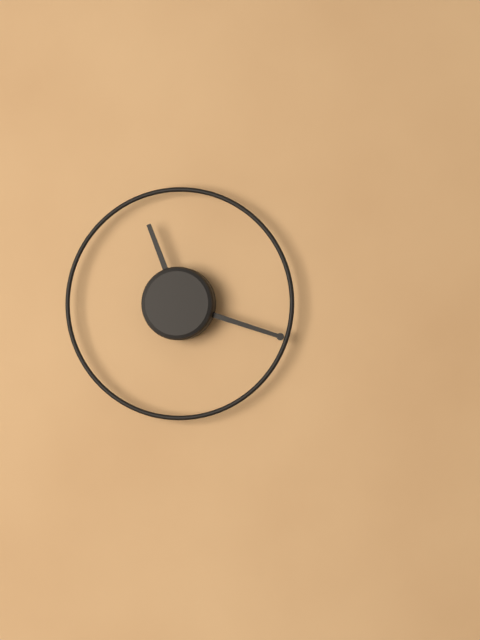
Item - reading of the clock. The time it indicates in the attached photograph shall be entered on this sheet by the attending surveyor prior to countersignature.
11:18
